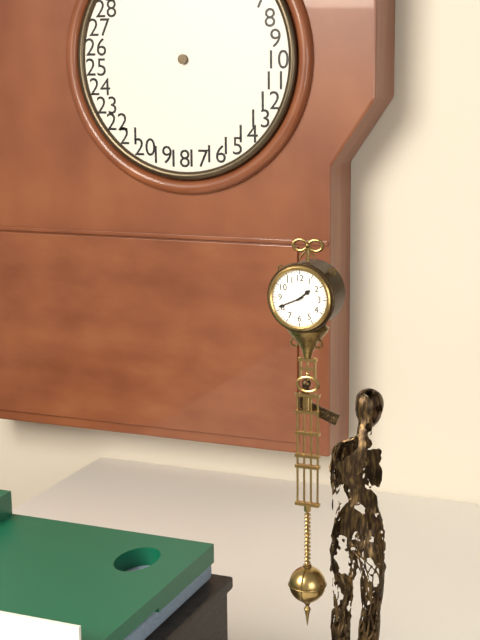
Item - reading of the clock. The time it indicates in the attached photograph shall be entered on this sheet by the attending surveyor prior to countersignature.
1:41
